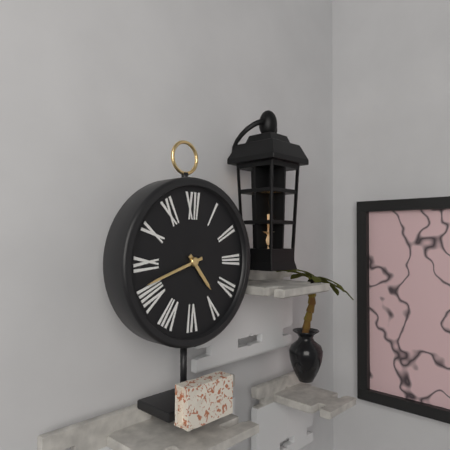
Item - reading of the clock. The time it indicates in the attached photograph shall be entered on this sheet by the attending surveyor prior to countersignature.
4:42
